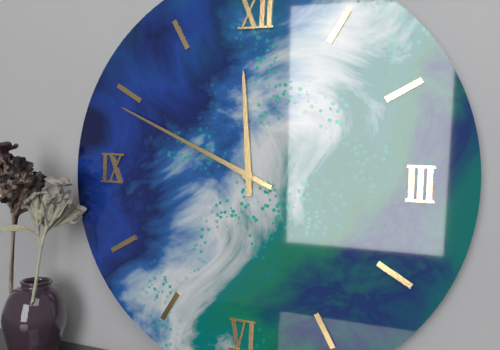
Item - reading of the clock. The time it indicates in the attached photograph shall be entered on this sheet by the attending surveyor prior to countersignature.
11:49
